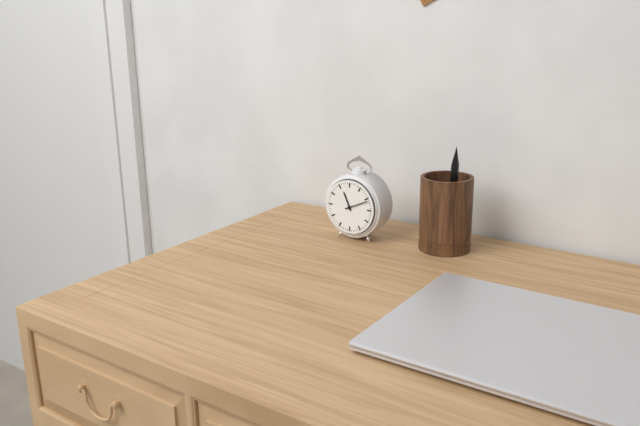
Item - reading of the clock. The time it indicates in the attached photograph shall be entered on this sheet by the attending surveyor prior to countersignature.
11:11
